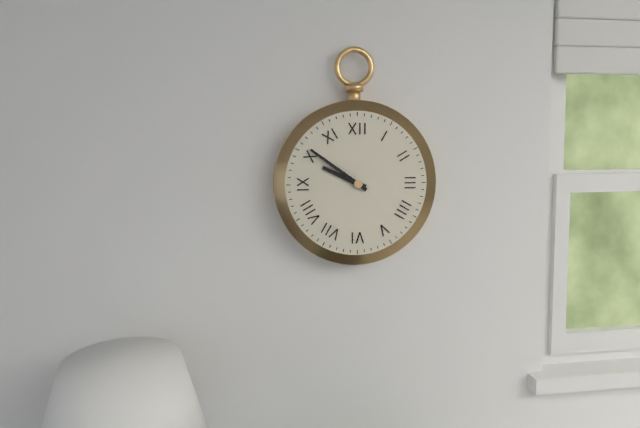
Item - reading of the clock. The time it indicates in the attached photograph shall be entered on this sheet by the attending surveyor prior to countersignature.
9:51
